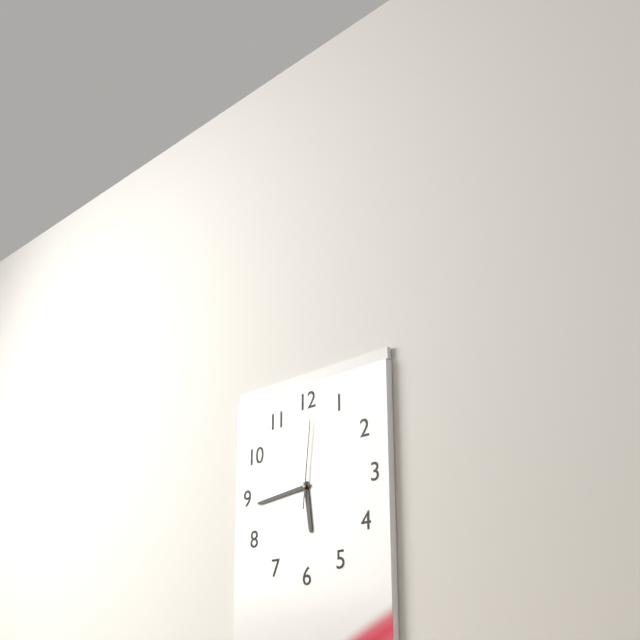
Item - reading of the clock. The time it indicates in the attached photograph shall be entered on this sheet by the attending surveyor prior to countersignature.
5:44:01
